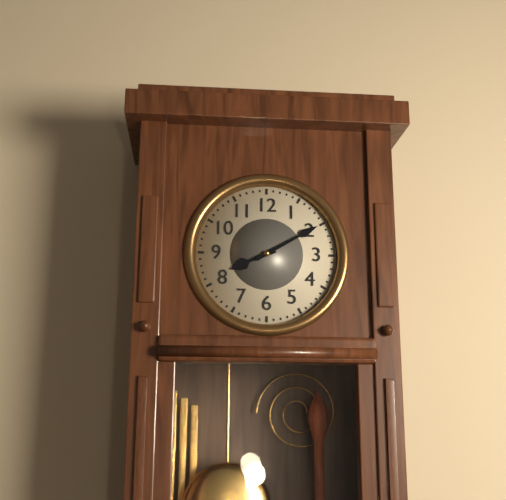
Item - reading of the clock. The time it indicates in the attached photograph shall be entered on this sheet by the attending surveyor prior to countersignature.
8:10
